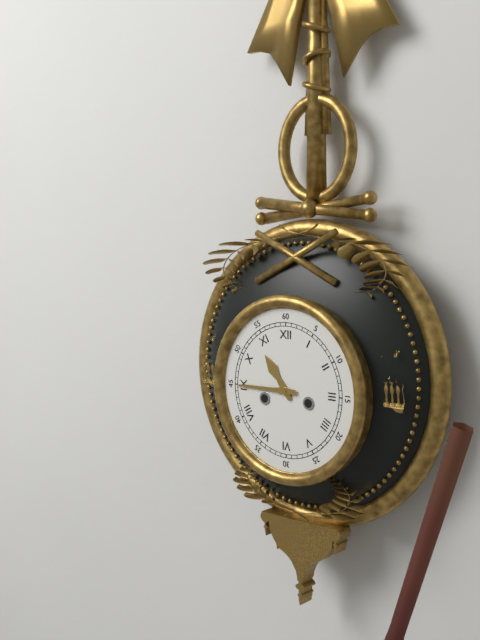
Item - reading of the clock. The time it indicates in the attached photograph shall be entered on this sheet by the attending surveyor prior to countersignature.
10:45
